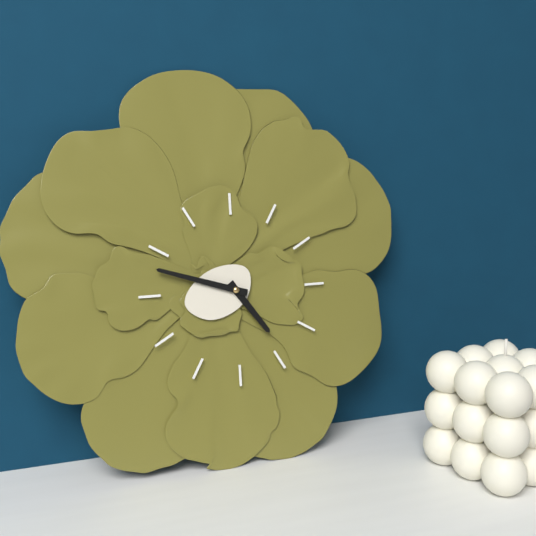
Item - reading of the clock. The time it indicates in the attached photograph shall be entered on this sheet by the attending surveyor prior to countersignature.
4:48
